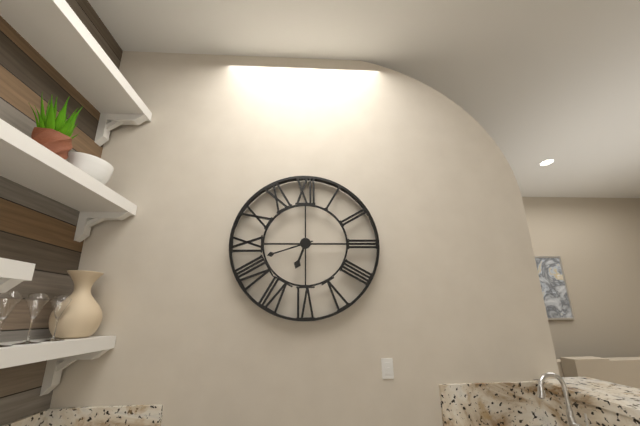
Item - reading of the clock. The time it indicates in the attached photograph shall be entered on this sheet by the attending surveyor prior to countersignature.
6:42
